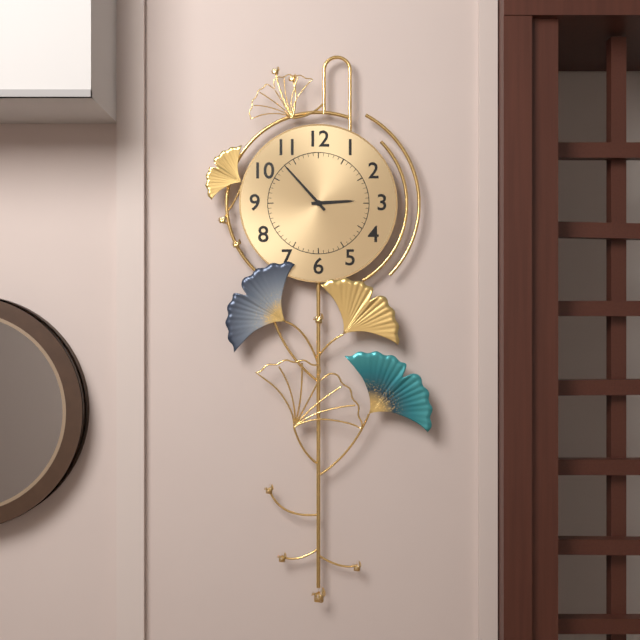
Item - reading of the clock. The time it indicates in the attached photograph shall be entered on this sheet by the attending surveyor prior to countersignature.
2:53
